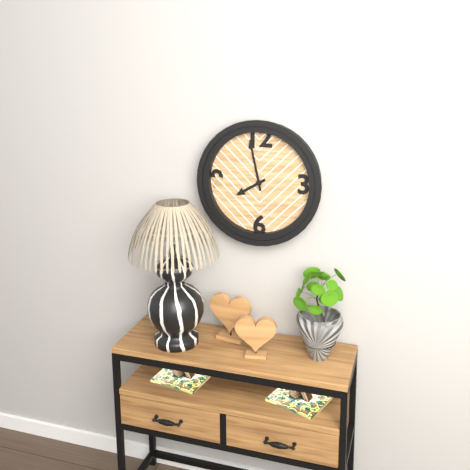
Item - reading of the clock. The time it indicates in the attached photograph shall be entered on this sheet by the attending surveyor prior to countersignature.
7:58
